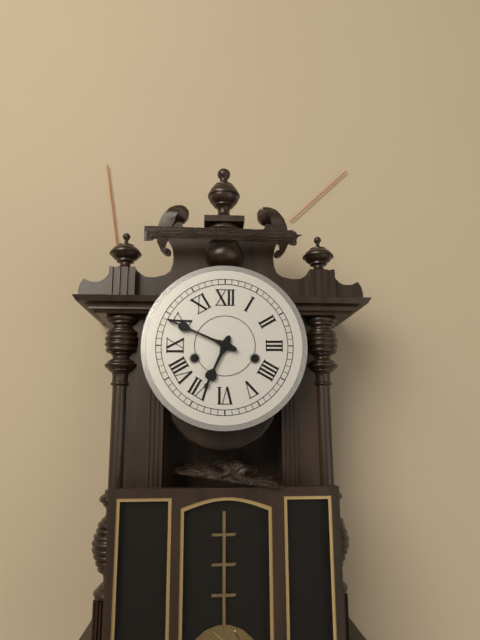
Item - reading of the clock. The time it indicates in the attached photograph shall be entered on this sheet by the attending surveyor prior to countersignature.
6:49
